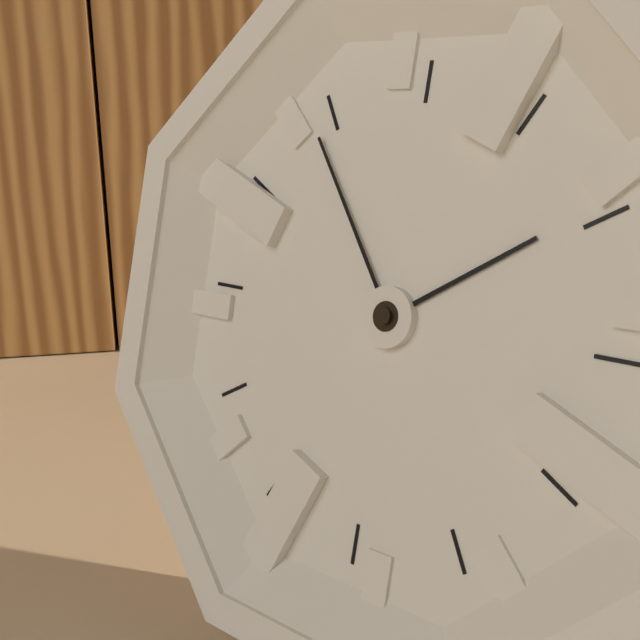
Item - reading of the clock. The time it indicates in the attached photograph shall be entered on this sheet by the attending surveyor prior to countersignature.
1:54
